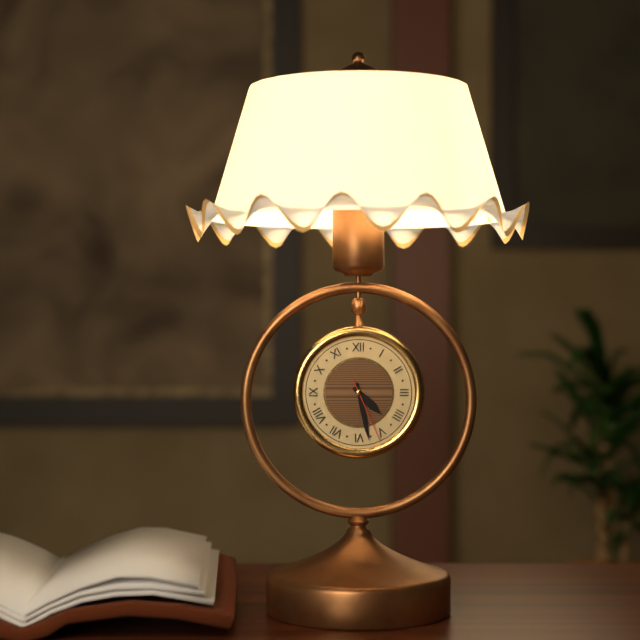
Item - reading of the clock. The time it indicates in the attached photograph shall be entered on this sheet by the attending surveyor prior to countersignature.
4:28:26
